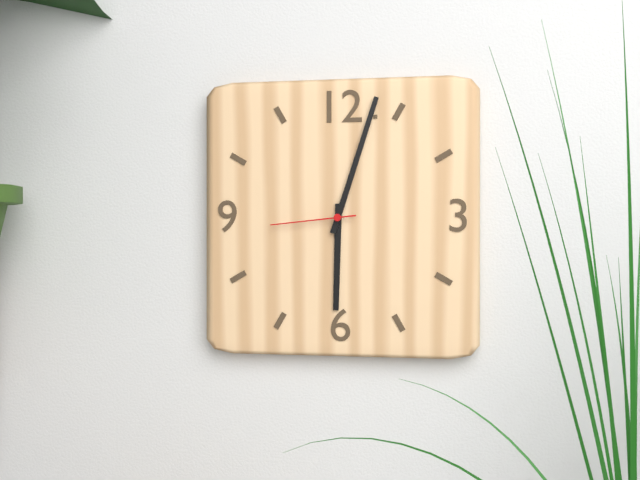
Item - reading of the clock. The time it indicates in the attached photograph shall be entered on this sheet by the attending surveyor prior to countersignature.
6:03:44
